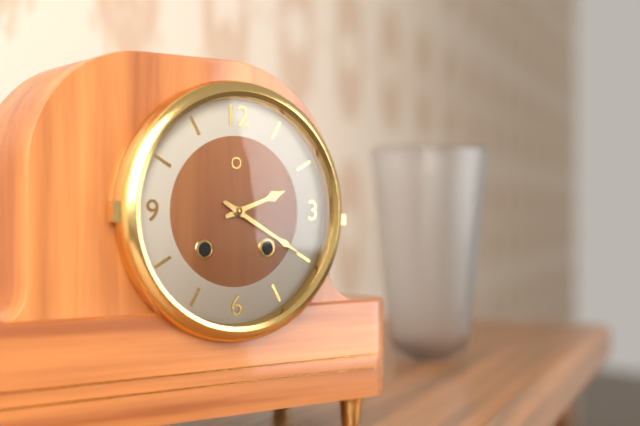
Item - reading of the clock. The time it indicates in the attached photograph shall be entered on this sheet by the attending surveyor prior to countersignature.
2:20
